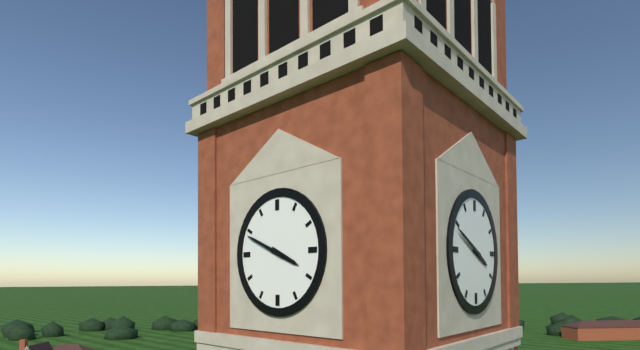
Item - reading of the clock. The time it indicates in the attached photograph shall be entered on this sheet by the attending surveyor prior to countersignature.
3:49
